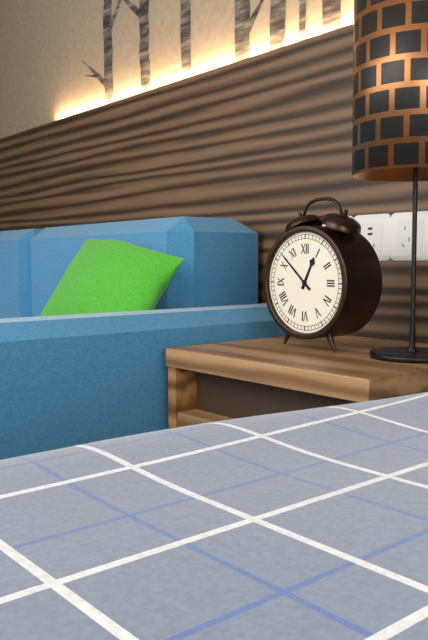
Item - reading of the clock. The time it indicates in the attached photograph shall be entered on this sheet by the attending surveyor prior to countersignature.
12:52
